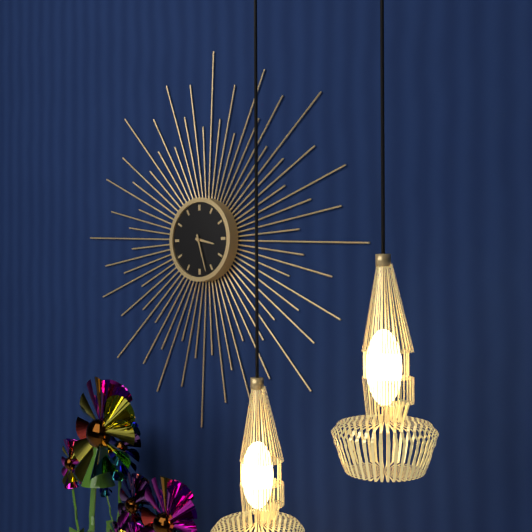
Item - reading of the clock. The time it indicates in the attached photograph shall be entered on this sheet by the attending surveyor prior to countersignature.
3:27
